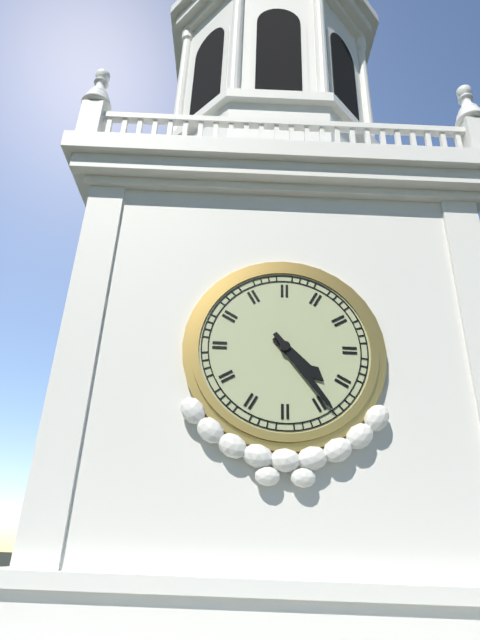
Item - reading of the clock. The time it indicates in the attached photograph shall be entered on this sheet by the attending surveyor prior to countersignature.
4:24
